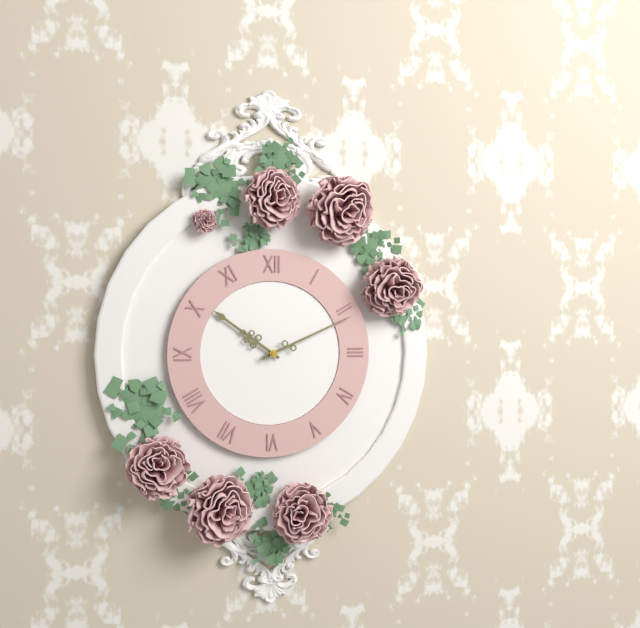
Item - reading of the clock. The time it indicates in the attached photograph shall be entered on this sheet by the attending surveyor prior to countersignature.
10:11
